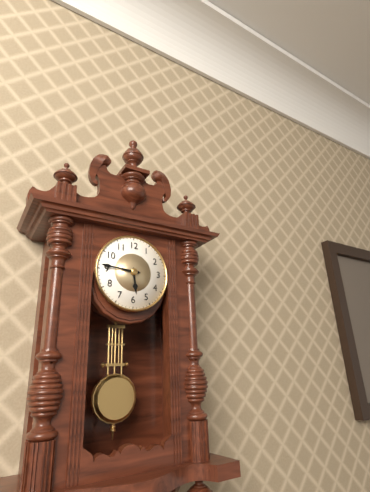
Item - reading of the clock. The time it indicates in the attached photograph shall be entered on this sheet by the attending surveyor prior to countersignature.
5:46
